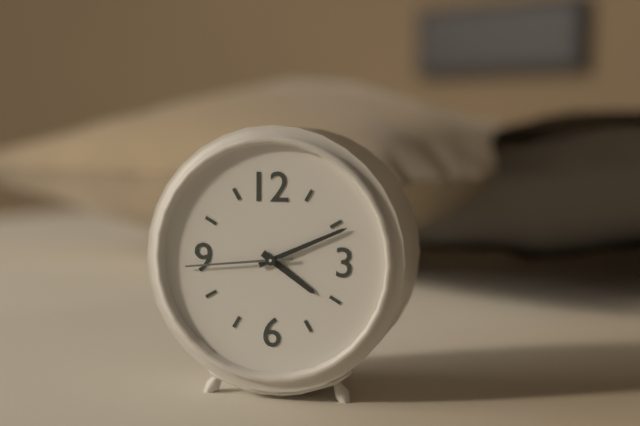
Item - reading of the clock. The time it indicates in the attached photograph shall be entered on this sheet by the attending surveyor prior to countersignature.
4:11:44
